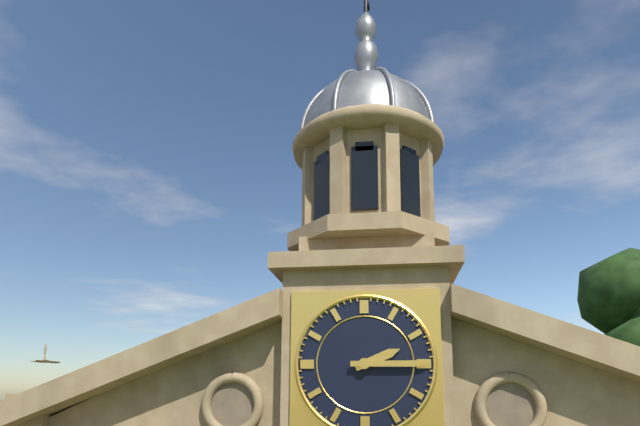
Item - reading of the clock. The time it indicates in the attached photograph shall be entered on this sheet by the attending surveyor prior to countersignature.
2:15
